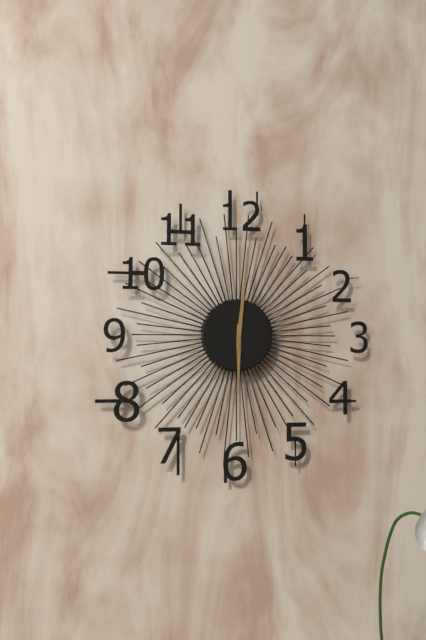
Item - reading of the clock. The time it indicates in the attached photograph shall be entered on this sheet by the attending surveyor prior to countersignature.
6:01
